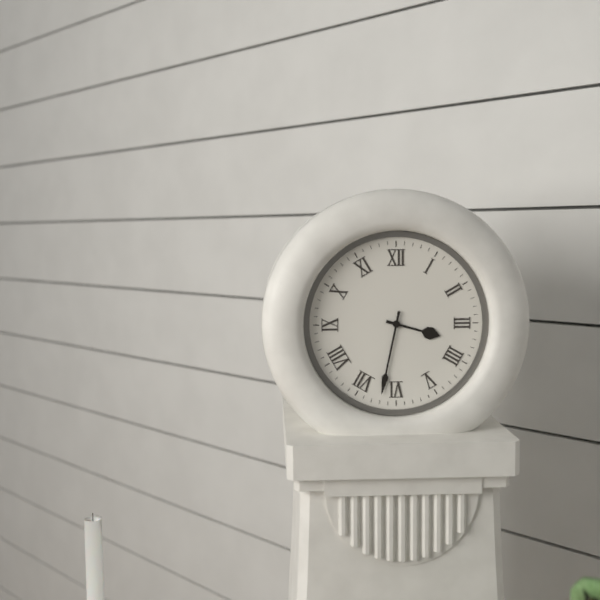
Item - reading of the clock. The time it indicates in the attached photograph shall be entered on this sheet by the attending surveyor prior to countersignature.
3:32
